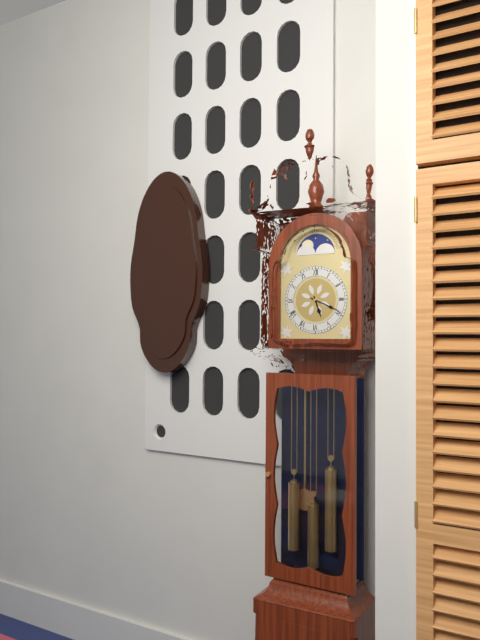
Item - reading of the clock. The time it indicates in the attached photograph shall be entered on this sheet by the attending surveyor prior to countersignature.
5:19
